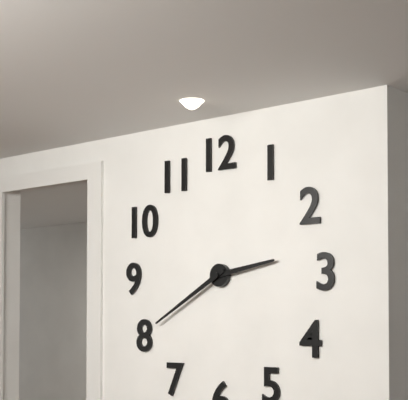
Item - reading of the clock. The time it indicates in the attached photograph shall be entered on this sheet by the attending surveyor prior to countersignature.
2:40
